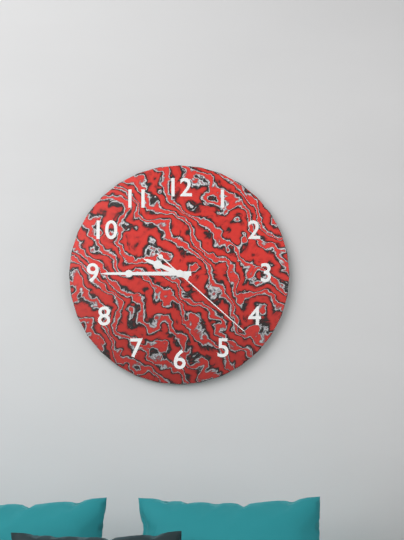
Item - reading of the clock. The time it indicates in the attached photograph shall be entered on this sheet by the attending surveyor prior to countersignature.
9:45:22
